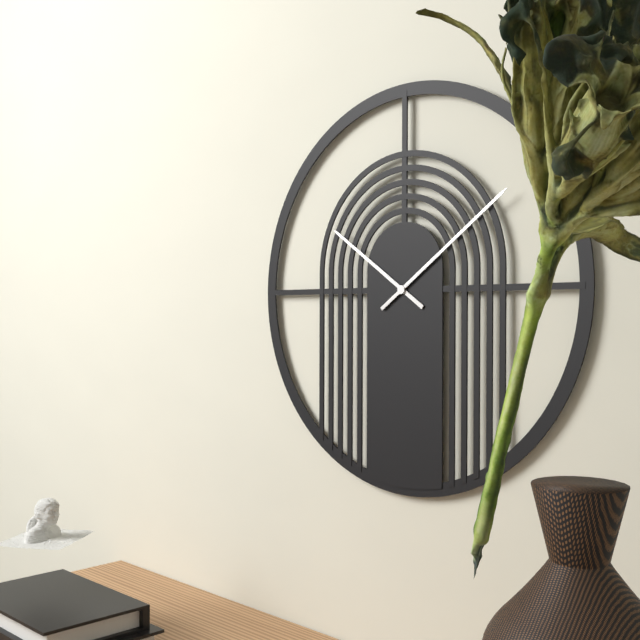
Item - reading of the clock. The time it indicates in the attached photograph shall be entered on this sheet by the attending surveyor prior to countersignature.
10:09
